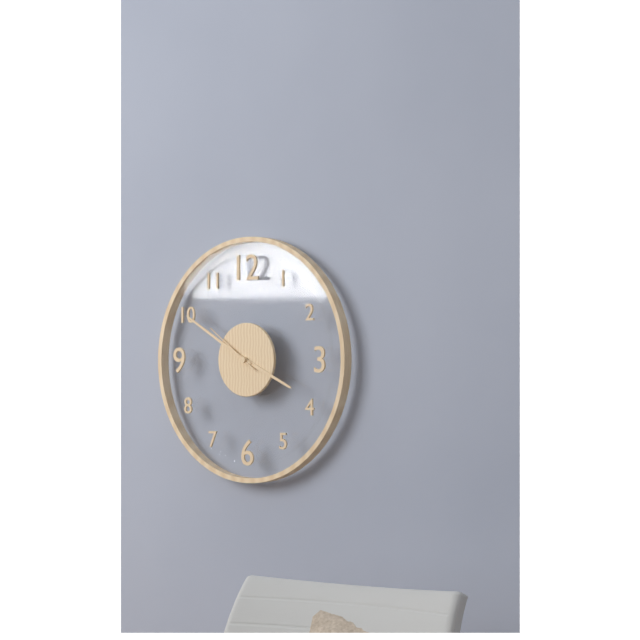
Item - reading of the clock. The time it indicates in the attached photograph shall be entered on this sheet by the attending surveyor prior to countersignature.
3:50:51
